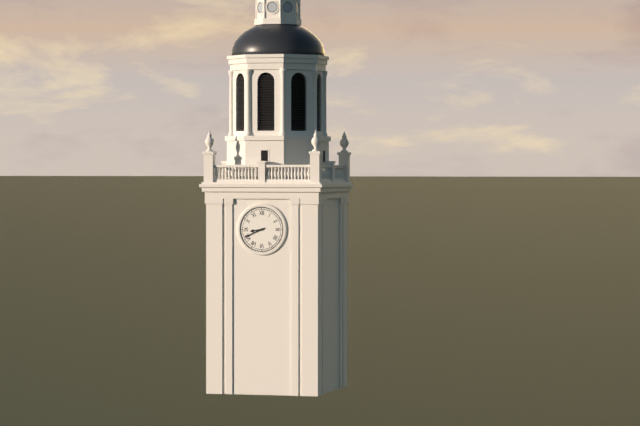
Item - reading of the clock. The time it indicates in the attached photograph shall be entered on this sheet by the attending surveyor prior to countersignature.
8:41
